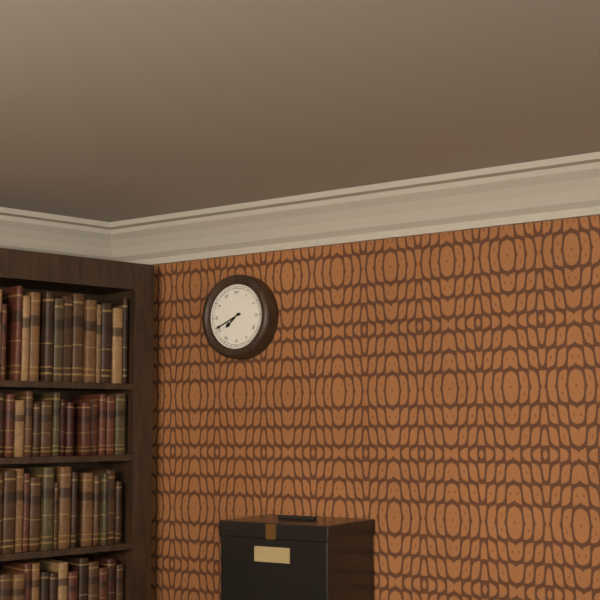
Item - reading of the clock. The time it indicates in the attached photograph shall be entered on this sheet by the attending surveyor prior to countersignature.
7:41
